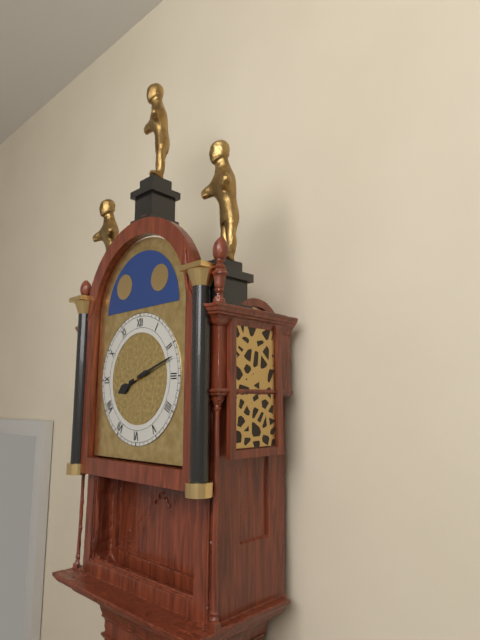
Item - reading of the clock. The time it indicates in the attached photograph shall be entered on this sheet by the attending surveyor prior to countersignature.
8:12
